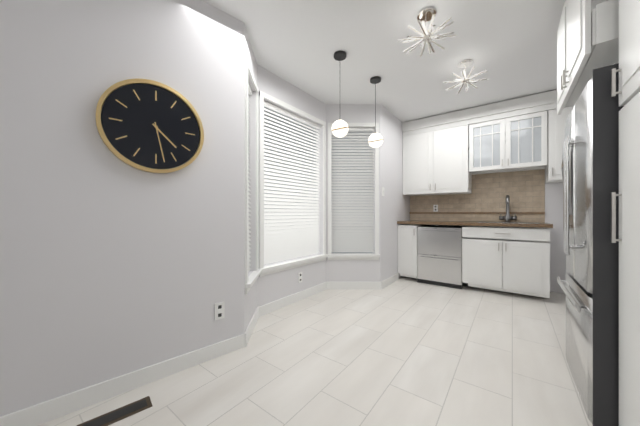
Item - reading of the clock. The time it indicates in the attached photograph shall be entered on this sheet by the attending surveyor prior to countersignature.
4:28
